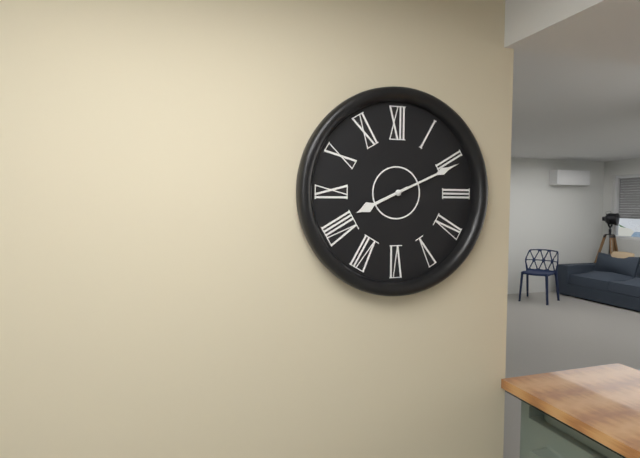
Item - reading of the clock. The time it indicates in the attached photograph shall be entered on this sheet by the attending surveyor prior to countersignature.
8:11
